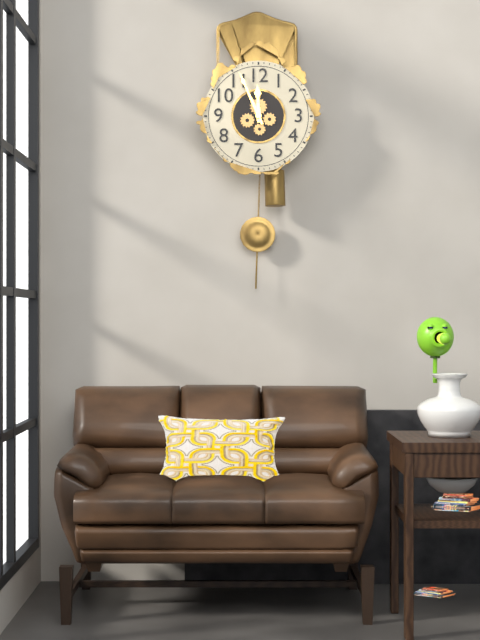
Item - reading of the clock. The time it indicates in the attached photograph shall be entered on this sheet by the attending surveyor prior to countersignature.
11:56
